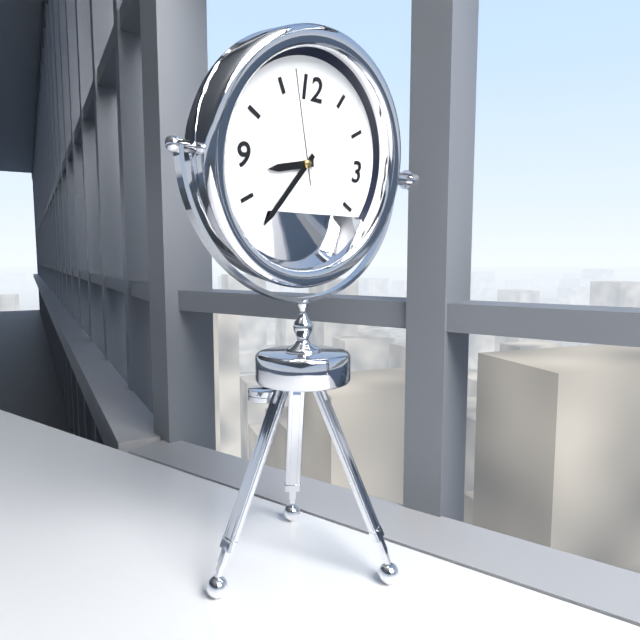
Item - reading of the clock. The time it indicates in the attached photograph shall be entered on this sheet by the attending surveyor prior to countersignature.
8:36:57
